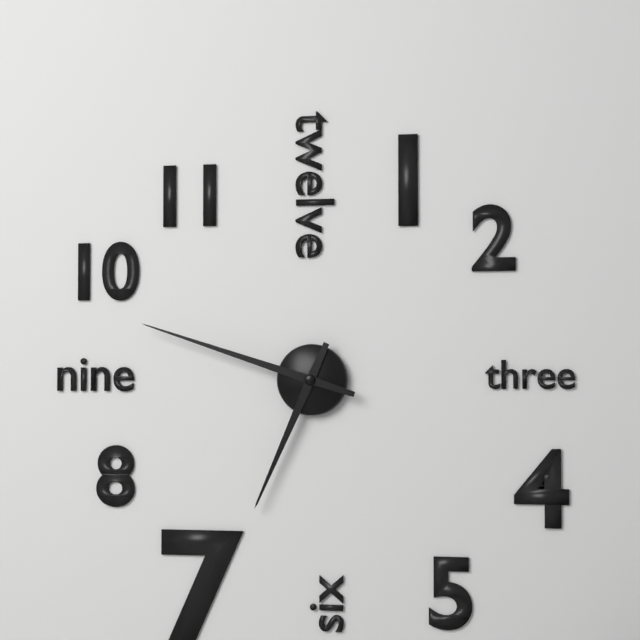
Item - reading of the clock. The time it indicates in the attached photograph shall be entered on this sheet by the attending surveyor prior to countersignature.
6:48
